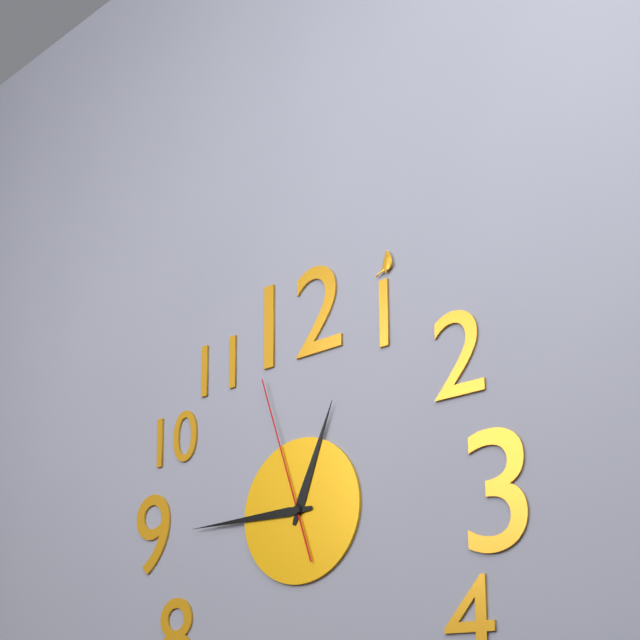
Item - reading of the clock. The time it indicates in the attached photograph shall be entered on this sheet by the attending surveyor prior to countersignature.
12:45:57
